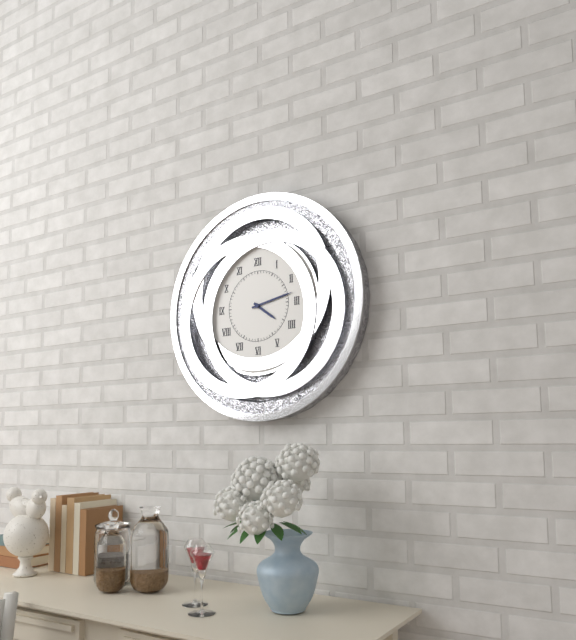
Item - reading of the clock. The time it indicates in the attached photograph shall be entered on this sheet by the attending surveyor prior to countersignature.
4:13
